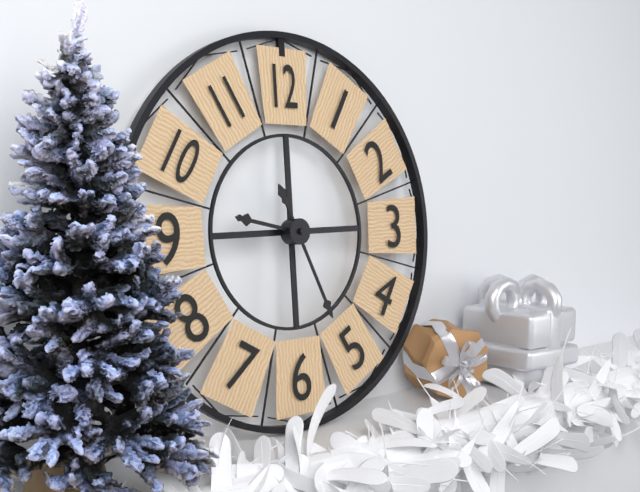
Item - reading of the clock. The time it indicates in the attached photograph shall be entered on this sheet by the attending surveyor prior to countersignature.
9:26
